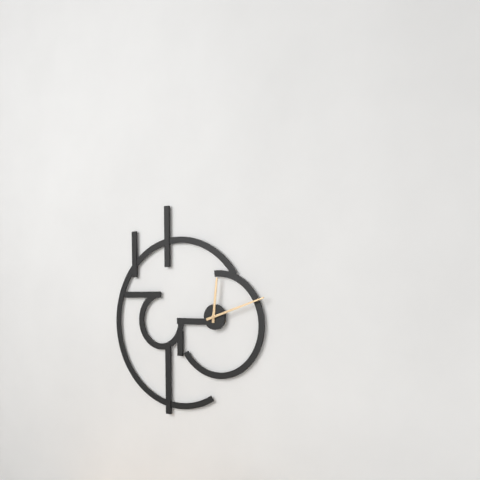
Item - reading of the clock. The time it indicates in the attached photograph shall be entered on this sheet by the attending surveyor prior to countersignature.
12:12
